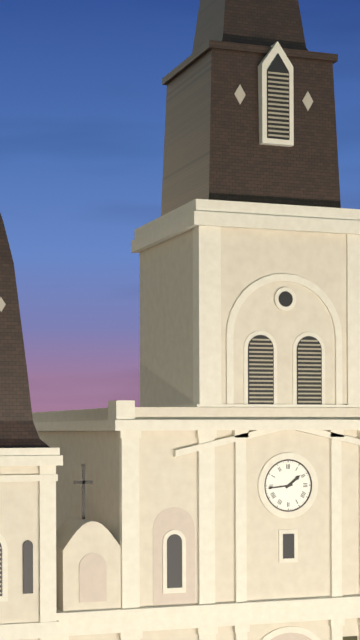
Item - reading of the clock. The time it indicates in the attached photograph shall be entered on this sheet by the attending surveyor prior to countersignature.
1:44
